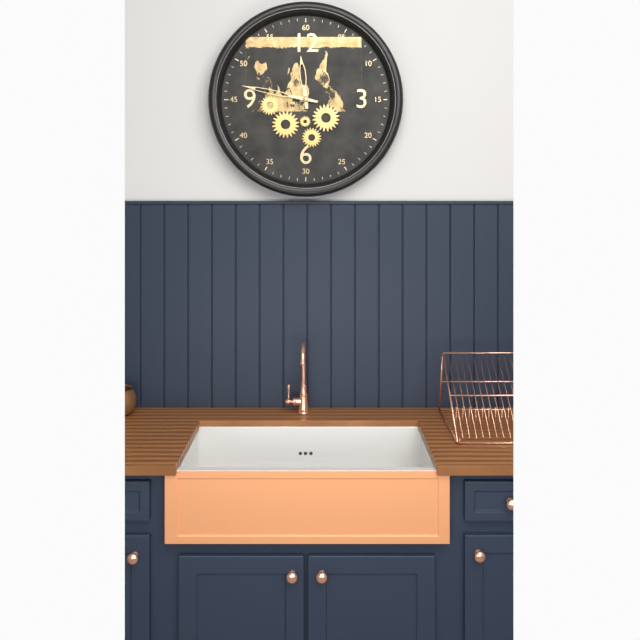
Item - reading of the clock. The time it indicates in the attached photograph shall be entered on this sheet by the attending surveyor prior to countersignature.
11:47
